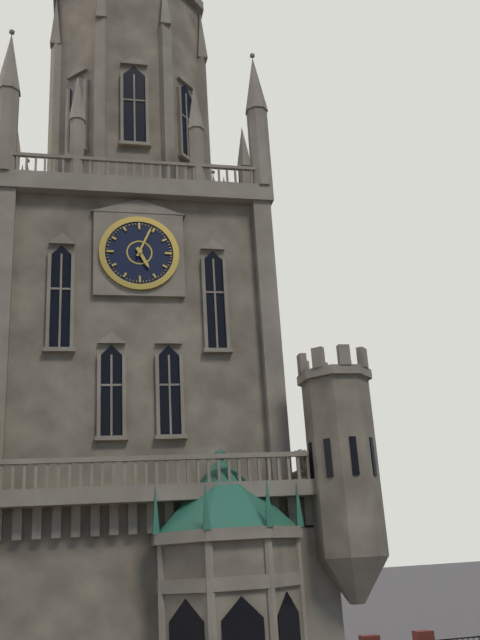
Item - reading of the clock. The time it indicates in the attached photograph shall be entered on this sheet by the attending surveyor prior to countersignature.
5:04
